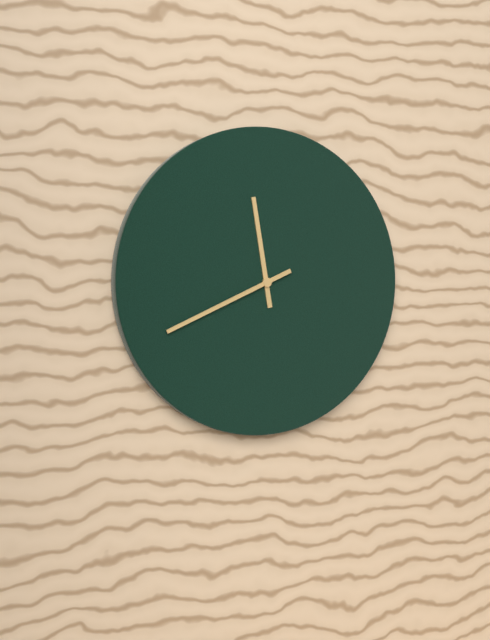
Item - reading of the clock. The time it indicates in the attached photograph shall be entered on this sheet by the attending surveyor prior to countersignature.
11:41
